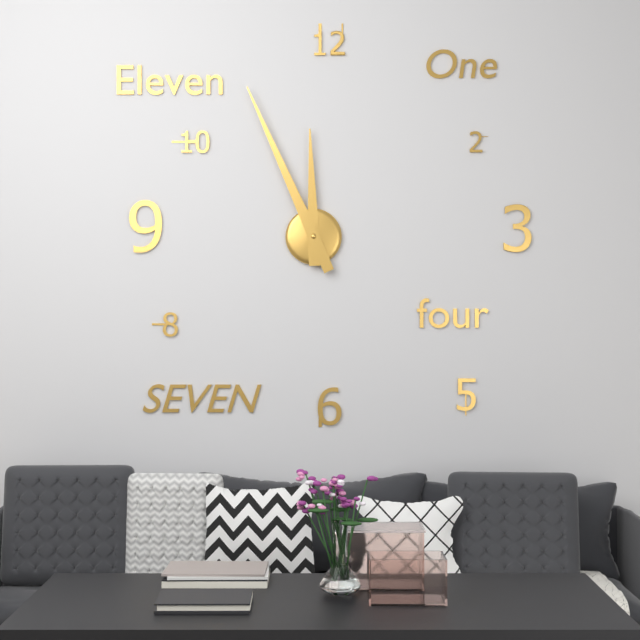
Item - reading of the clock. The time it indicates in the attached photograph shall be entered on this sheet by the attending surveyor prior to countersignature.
11:56
